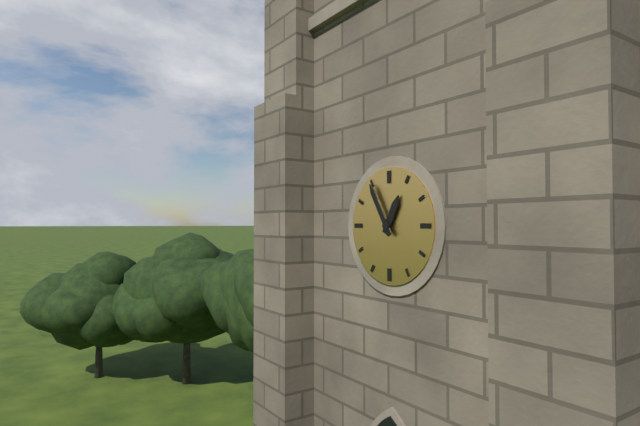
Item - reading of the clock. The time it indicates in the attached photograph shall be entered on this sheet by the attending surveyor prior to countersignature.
12:55
